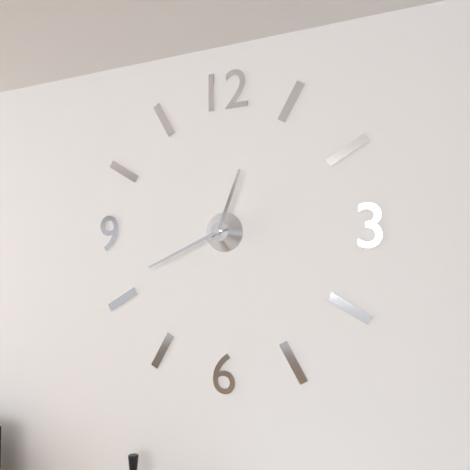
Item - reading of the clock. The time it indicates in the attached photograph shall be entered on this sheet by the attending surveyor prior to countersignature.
12:41
